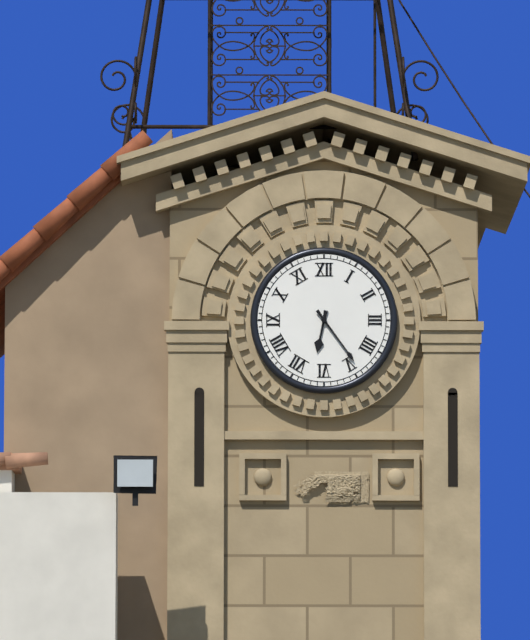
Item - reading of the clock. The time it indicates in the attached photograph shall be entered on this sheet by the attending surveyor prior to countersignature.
6:24
